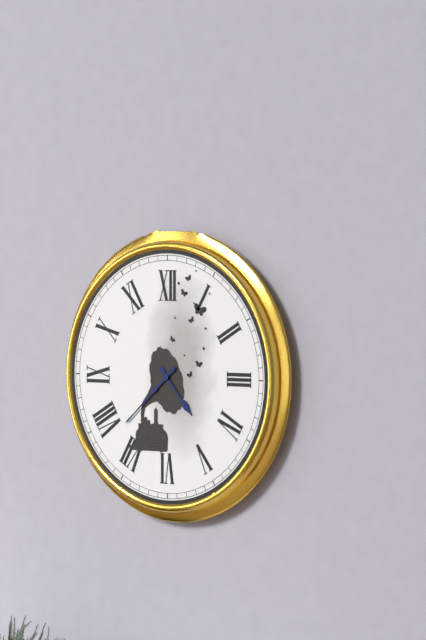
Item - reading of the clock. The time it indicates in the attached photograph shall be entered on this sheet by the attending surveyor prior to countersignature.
4:38
